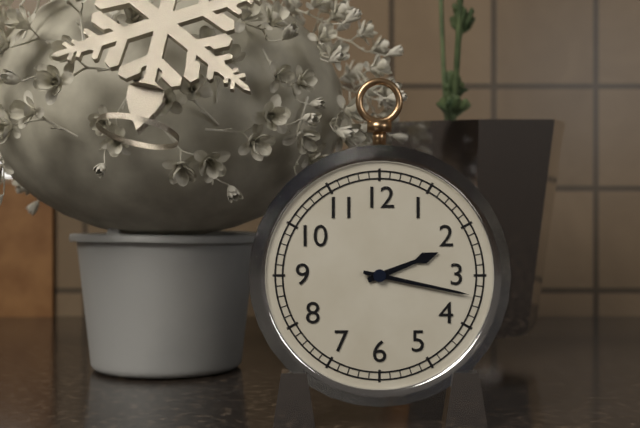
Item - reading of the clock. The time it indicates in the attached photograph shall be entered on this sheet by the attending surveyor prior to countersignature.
2:17
